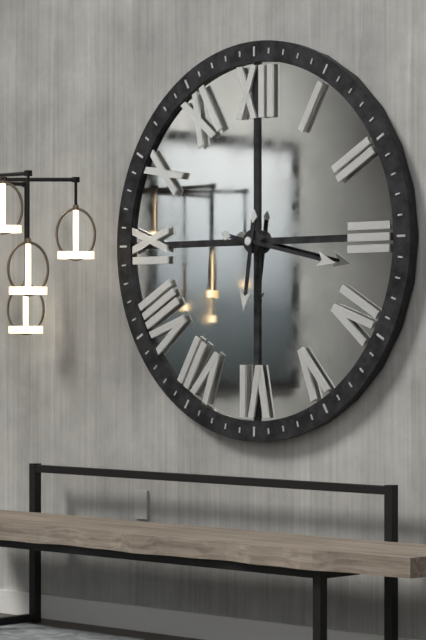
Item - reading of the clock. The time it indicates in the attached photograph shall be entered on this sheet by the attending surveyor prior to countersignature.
6:17
